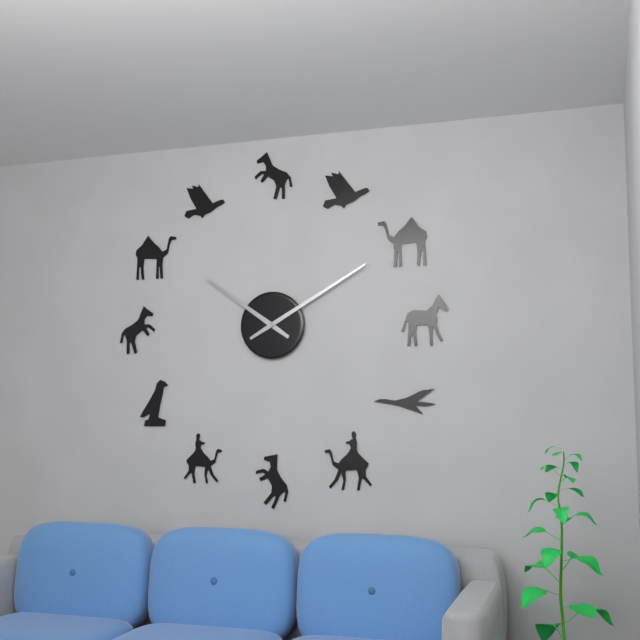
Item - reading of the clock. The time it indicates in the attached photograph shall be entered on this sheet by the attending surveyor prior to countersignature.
10:10
